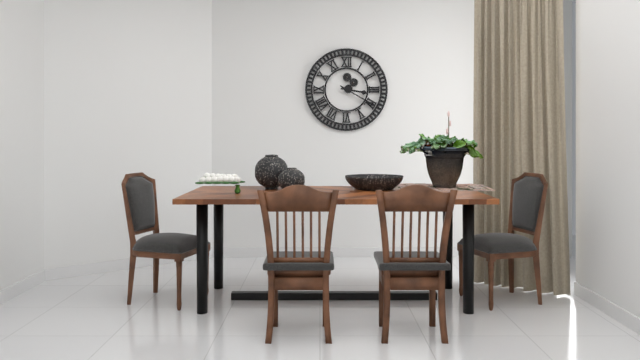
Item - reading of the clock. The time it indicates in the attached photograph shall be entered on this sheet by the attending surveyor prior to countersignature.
3:20
